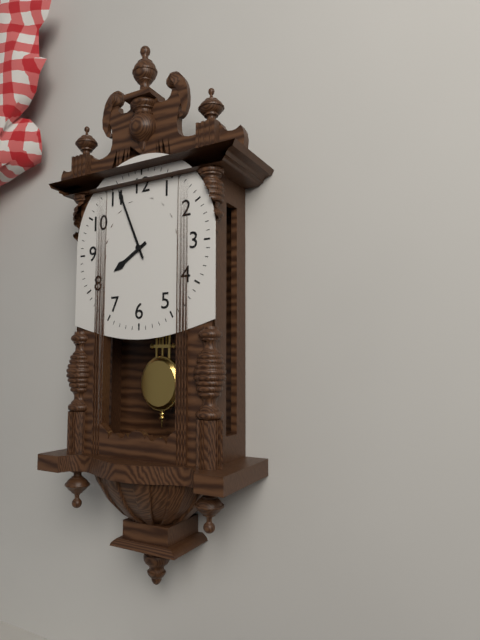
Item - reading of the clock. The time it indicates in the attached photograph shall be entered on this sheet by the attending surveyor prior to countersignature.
7:56
